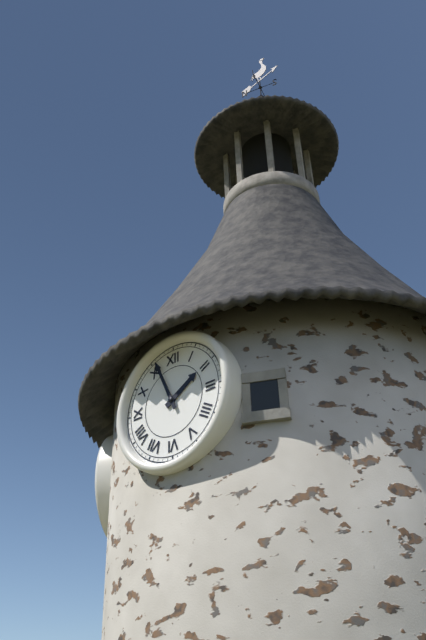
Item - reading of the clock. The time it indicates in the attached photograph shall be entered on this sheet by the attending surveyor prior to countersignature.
1:56
